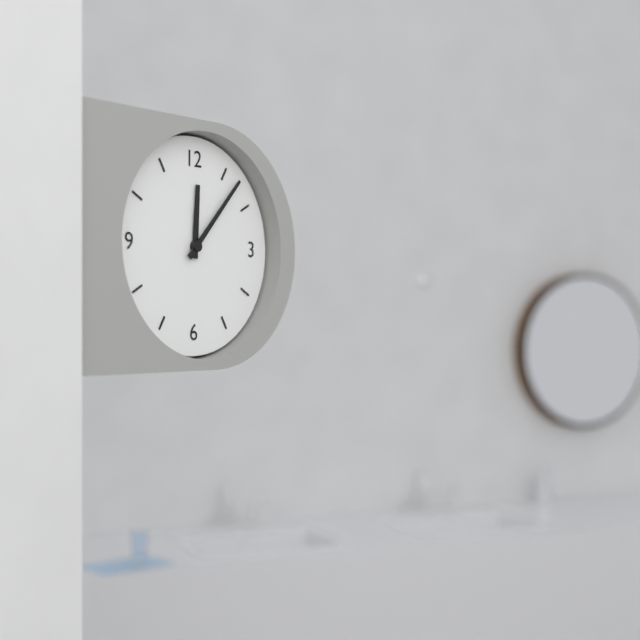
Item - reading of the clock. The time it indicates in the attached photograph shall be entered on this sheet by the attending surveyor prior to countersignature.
12:07
